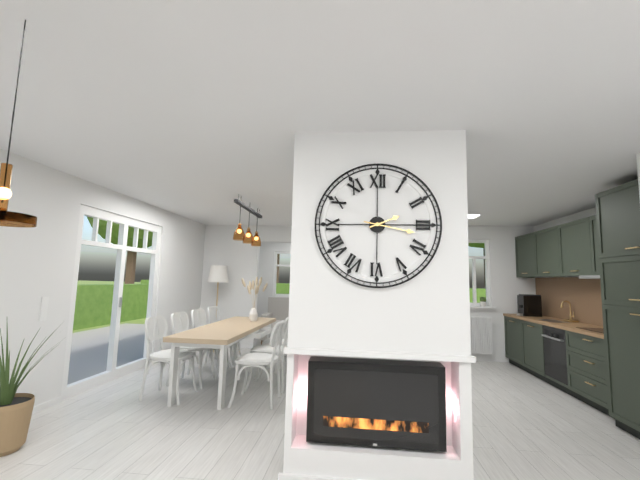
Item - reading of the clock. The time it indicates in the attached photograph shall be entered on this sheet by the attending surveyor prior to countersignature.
2:17
